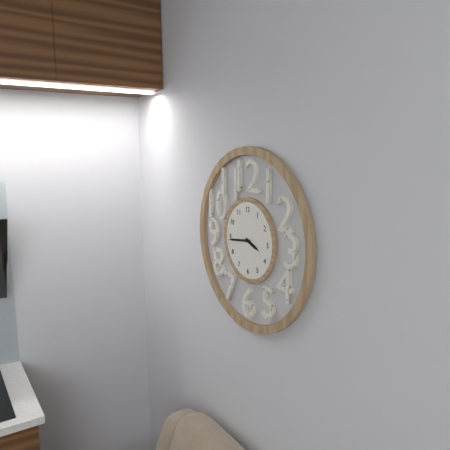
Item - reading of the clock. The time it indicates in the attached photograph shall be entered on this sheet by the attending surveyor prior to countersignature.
3:44
